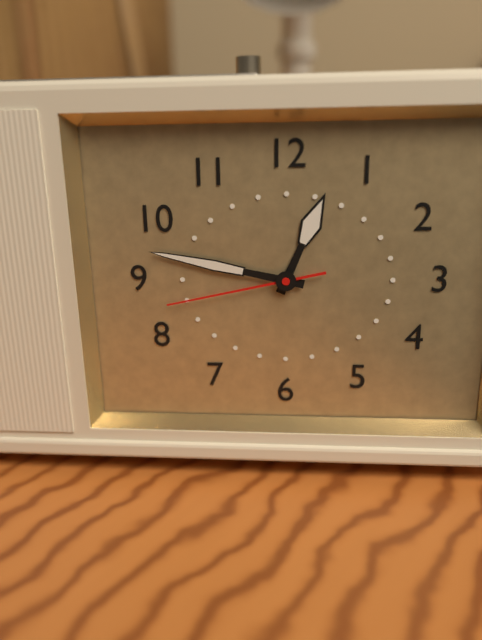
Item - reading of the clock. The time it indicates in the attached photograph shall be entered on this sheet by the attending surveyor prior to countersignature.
12:47:43
